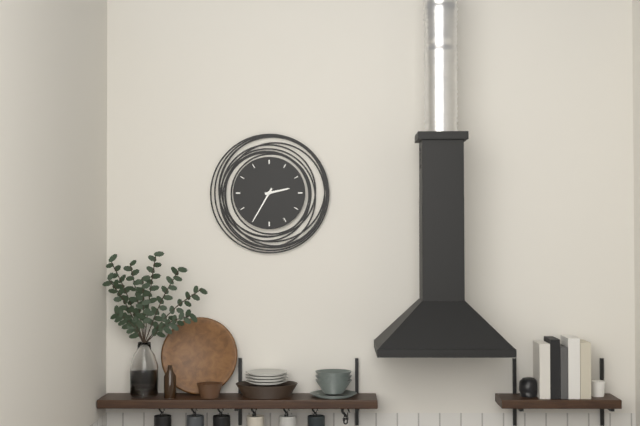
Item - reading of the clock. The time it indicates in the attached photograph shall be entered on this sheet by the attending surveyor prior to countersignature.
2:35
